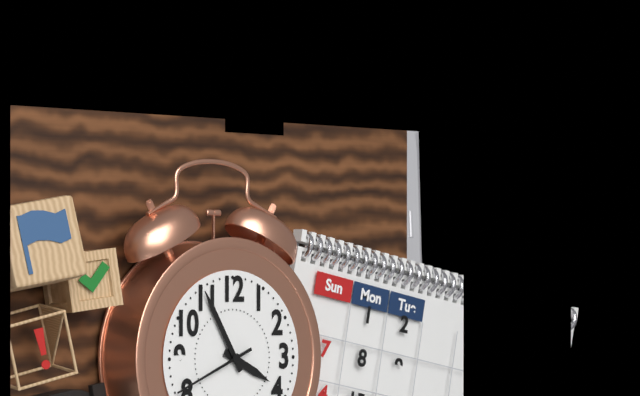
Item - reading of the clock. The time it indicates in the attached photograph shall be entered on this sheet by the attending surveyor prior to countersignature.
3:55:41
